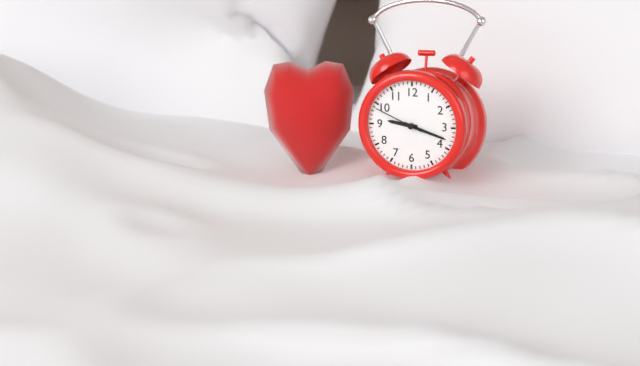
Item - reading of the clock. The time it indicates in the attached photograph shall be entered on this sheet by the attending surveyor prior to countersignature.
9:18:49
